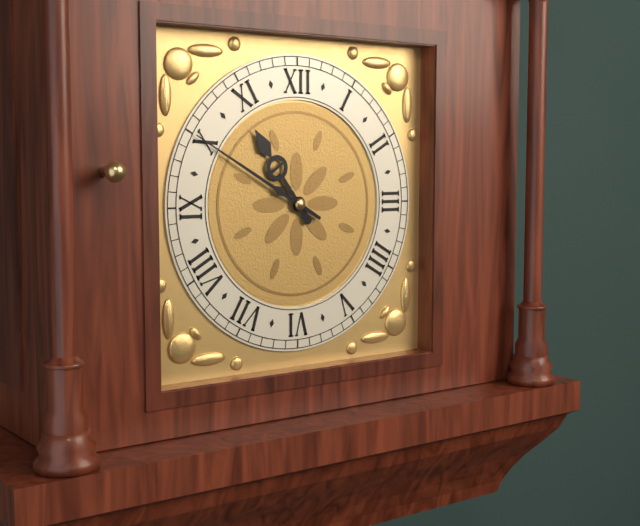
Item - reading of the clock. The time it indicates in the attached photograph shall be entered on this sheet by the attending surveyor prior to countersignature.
10:50
